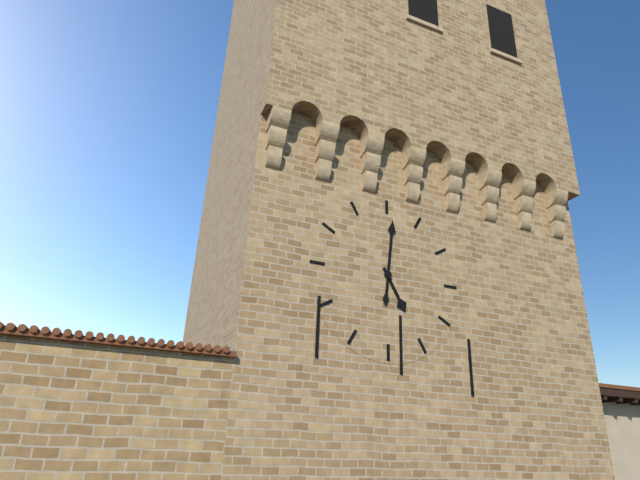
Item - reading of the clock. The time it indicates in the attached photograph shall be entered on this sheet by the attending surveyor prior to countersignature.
5:01
